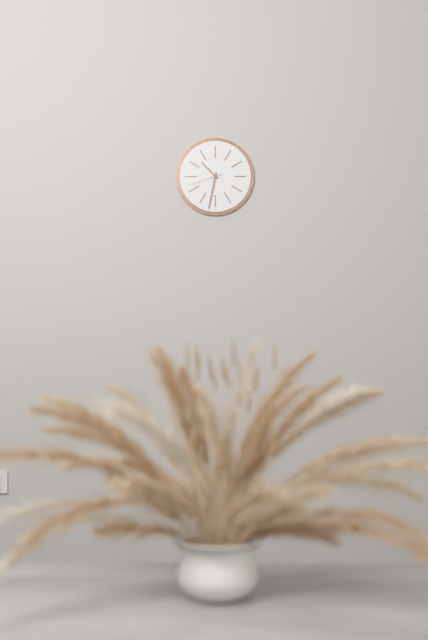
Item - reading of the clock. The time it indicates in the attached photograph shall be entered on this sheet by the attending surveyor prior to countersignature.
10:32
